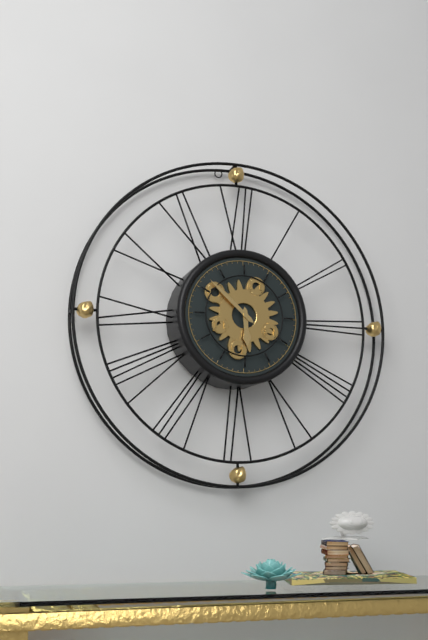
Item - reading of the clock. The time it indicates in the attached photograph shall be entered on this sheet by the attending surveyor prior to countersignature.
5:52
